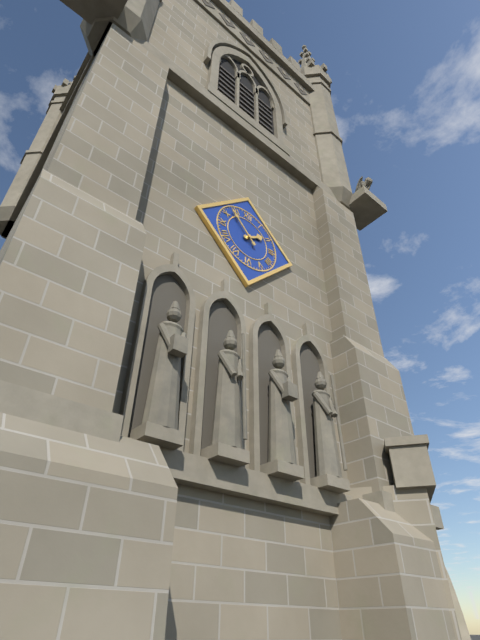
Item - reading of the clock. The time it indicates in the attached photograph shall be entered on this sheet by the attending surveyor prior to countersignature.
1:53
